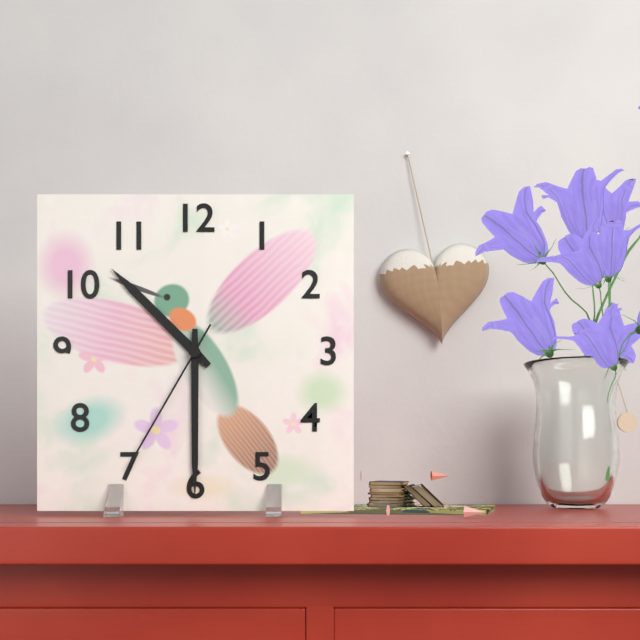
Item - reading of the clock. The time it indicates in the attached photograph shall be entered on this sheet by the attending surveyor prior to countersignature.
10:30:35
